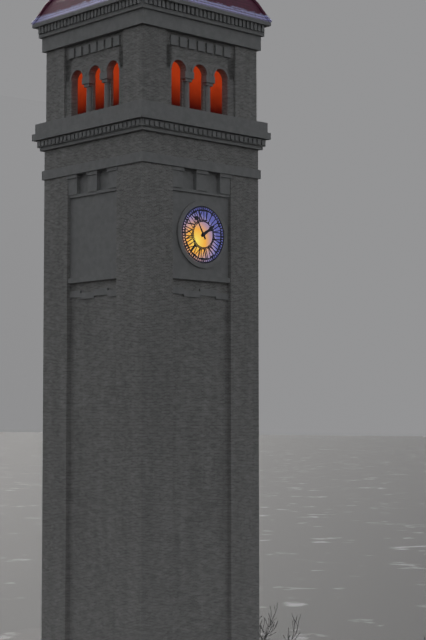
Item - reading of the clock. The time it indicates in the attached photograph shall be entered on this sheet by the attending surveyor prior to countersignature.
1:55
